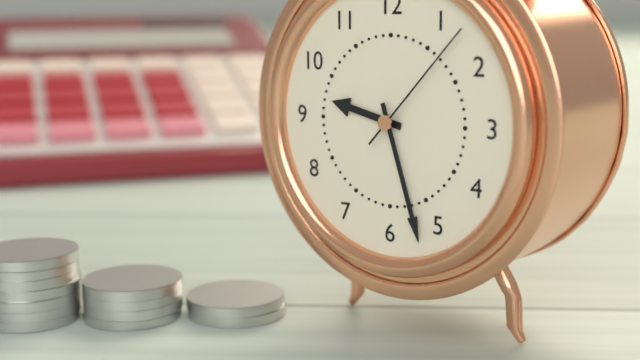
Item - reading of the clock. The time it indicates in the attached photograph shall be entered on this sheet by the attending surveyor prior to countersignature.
9:27:07
